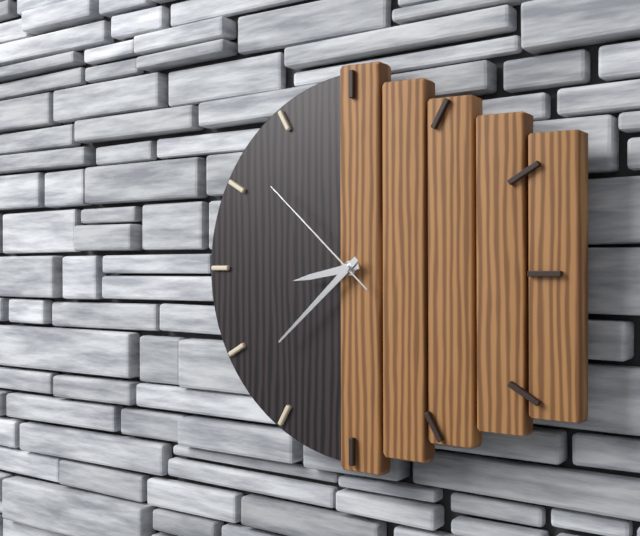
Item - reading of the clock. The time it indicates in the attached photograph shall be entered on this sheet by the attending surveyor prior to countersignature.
8:38:52
